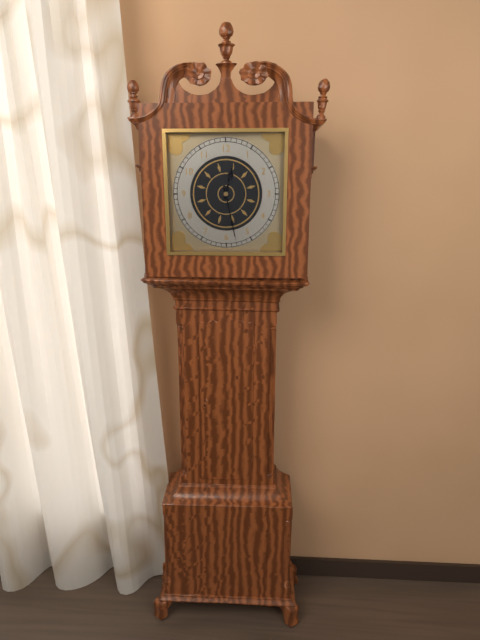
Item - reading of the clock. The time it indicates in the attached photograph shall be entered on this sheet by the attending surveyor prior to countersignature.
12:28
